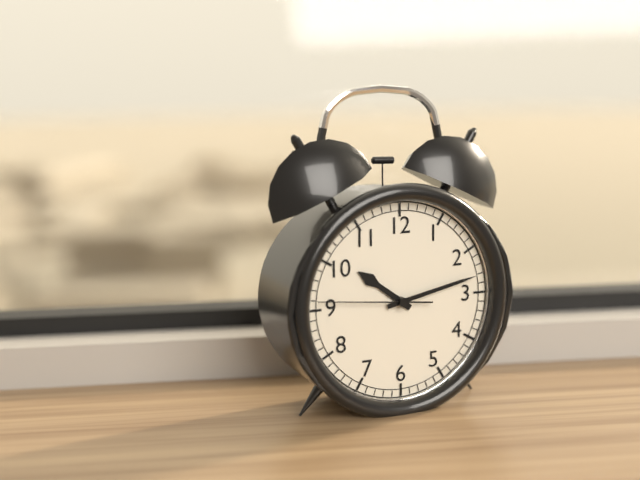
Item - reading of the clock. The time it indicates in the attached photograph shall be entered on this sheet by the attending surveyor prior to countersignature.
10:13:46
